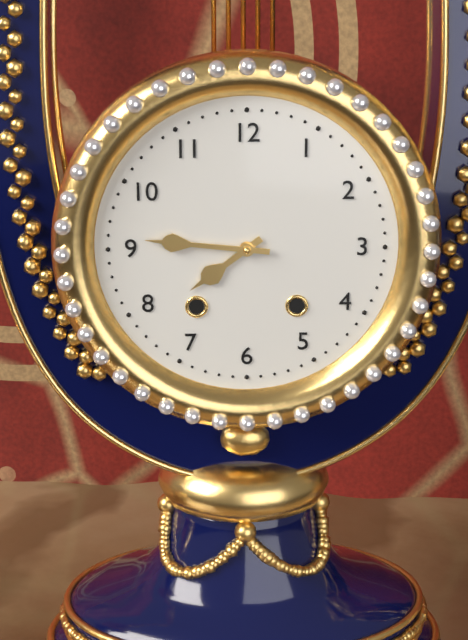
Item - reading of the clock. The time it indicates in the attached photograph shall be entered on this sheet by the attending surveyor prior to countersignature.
7:46
